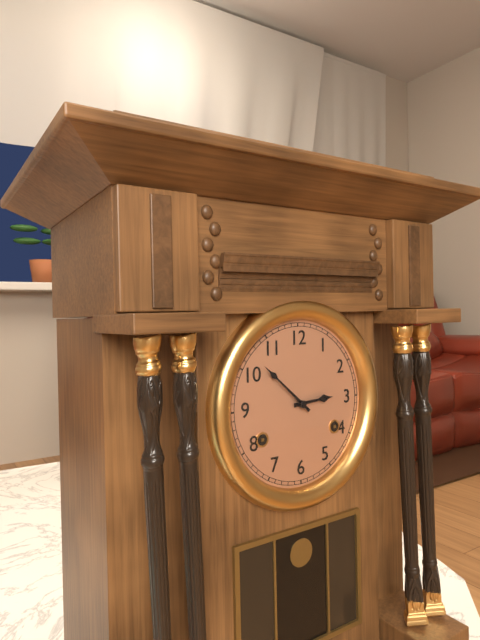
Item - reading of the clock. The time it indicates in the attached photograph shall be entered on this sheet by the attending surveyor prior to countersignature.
2:52
